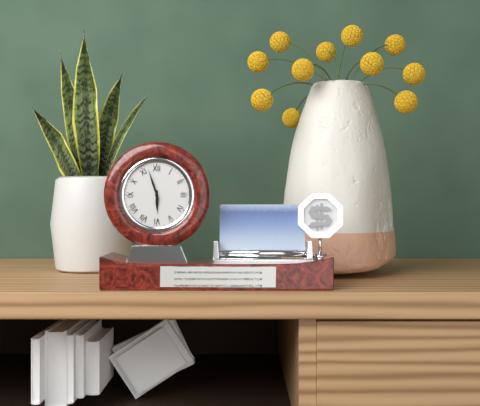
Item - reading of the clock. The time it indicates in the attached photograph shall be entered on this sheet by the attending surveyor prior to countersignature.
5:57
